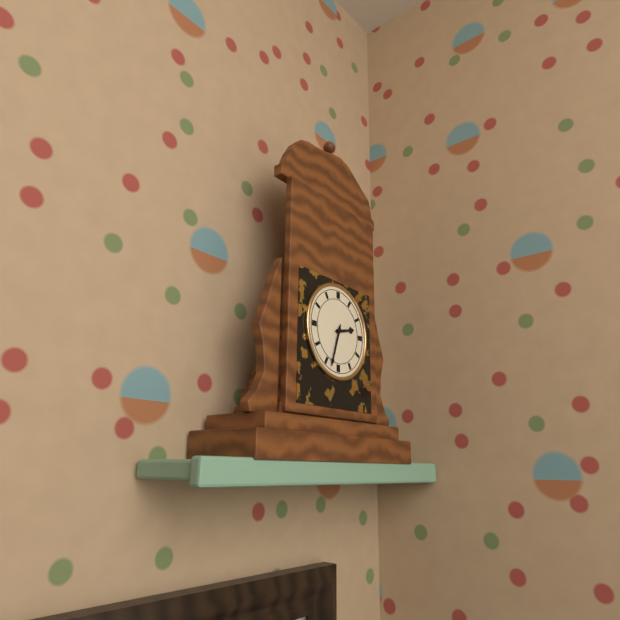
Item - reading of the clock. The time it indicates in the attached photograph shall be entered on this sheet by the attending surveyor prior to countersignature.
2:33
